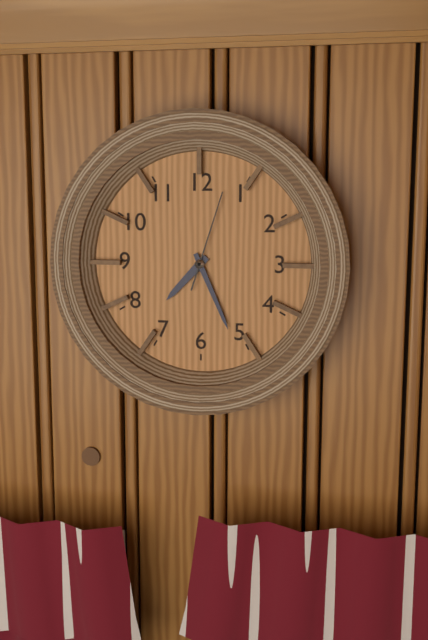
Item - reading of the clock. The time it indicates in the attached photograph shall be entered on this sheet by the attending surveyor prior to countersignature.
7:26:03
